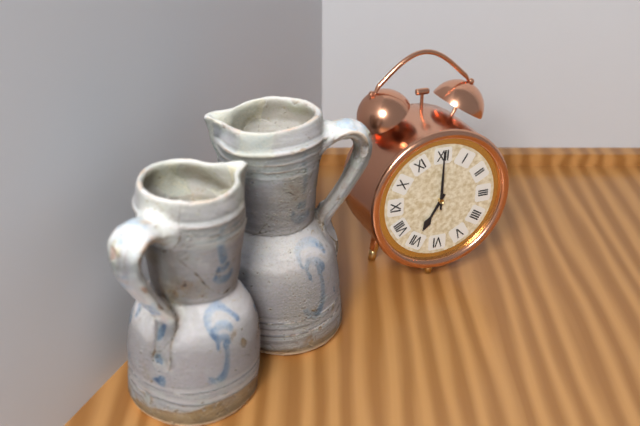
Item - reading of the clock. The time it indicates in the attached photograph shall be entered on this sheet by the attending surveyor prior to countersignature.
7:00
